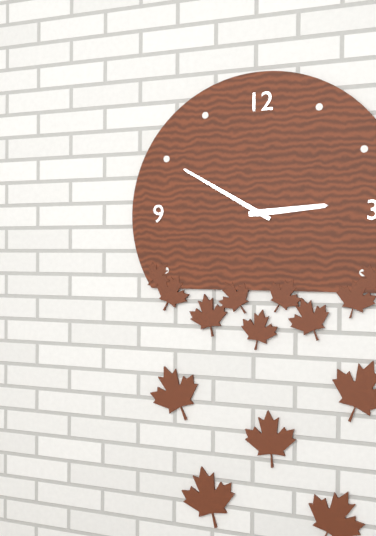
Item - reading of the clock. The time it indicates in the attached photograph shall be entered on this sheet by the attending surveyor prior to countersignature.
2:50
